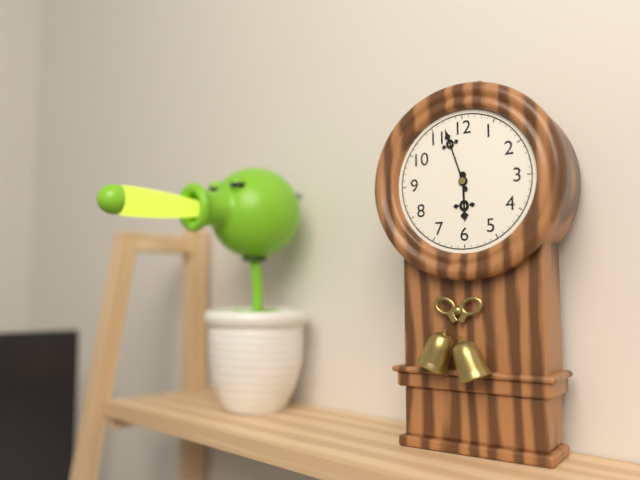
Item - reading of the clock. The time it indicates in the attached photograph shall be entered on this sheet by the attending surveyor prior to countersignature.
5:57
